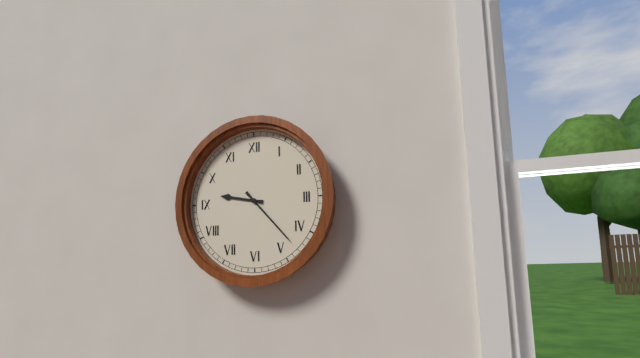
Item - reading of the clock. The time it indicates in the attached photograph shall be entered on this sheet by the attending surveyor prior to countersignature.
9:23
